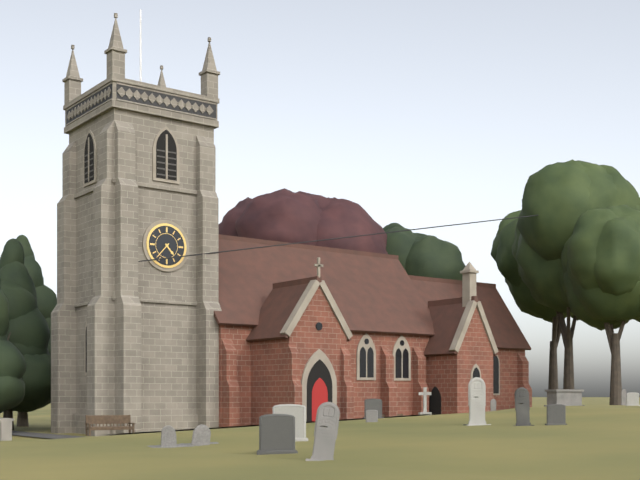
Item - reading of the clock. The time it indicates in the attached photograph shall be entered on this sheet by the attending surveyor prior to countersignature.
4:37
